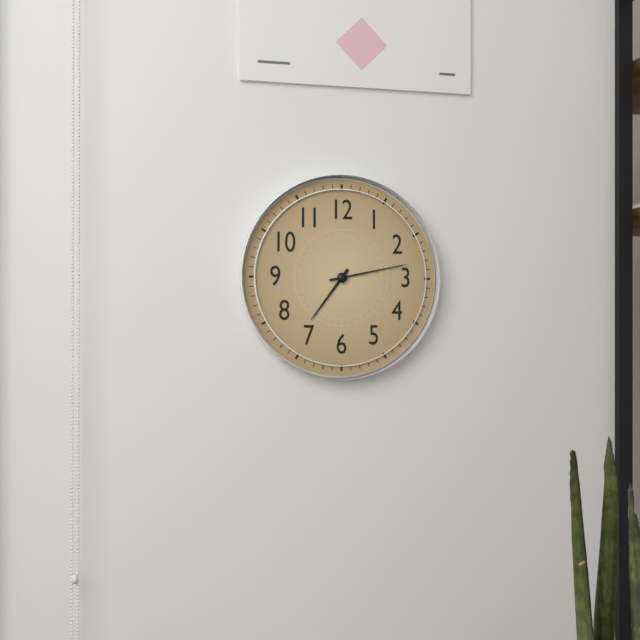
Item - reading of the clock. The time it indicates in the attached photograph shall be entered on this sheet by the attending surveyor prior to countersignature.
7:13
